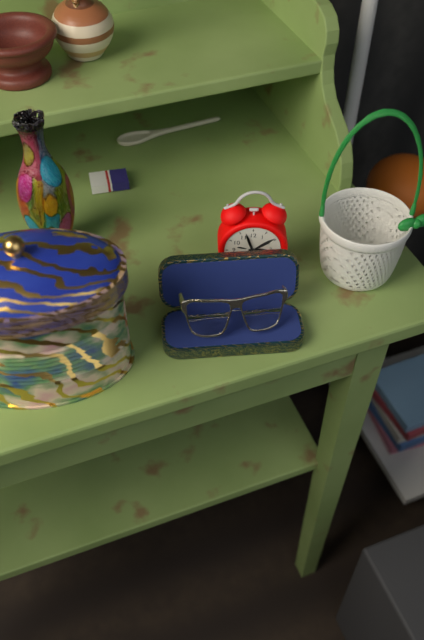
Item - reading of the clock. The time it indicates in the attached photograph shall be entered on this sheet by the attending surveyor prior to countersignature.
2:57
